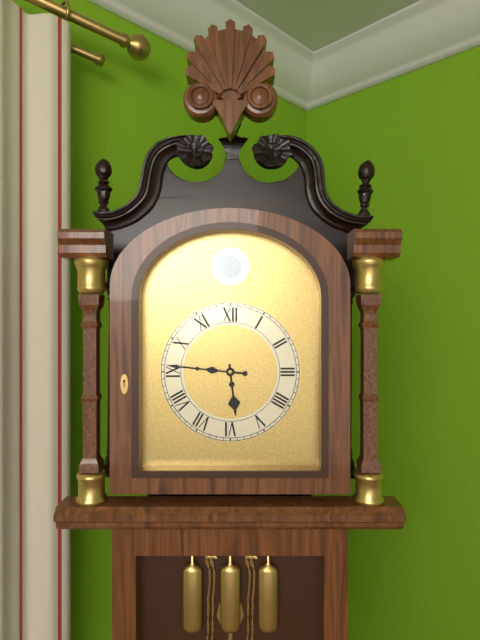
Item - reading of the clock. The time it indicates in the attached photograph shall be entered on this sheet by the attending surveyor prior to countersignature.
5:46
